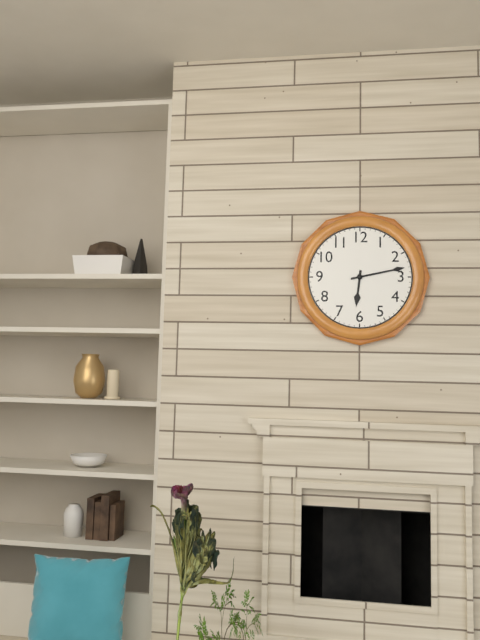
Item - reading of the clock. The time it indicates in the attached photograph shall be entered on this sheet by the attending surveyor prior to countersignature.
6:13
